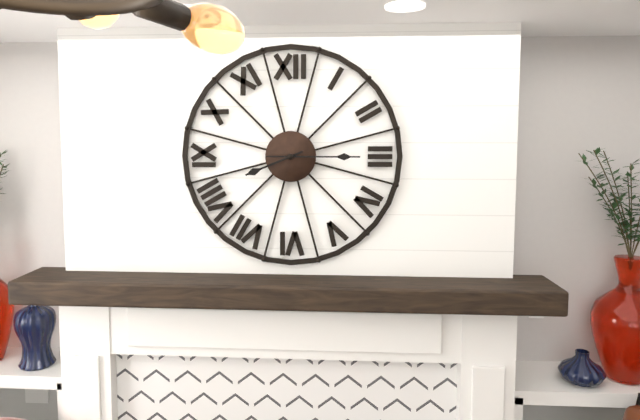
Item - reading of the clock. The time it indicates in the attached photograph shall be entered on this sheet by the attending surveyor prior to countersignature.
8:15
